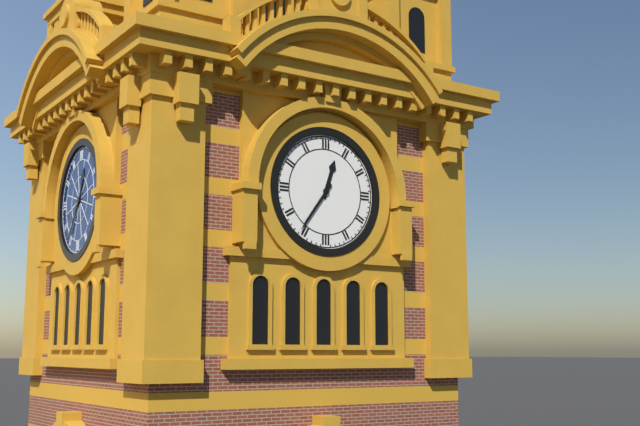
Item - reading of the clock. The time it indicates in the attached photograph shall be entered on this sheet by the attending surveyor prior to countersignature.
12:36
